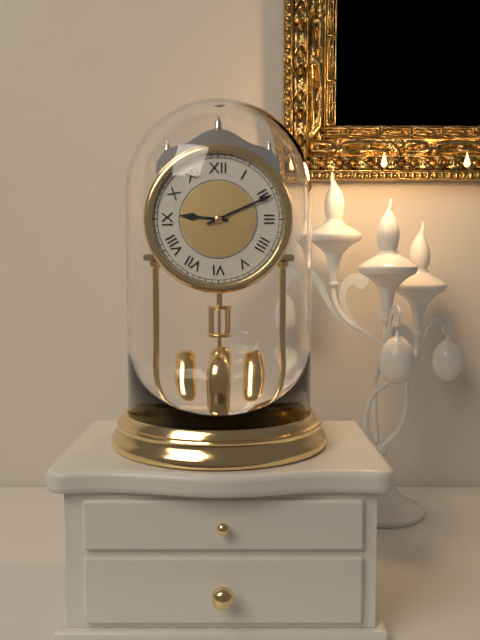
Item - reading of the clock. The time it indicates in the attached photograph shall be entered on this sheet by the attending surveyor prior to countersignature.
9:11
